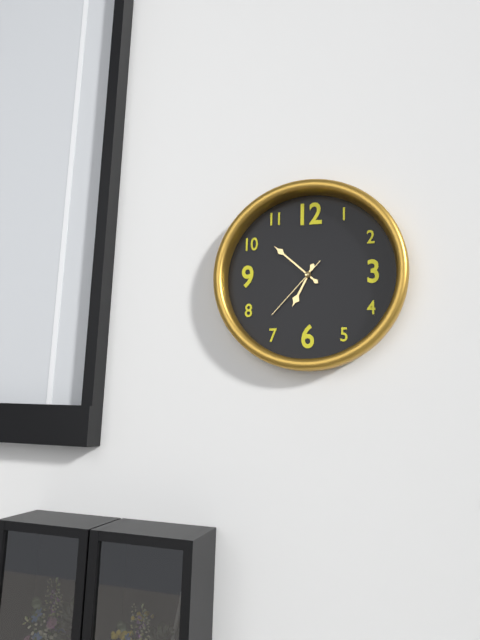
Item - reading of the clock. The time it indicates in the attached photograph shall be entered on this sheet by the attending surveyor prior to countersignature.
6:52:37
